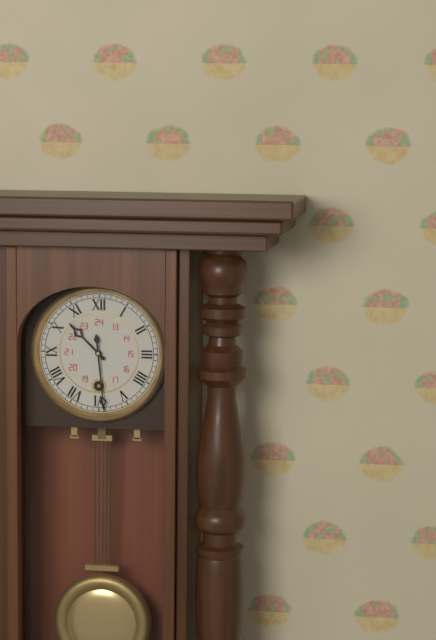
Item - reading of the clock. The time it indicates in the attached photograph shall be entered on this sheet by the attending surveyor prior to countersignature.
10:29
